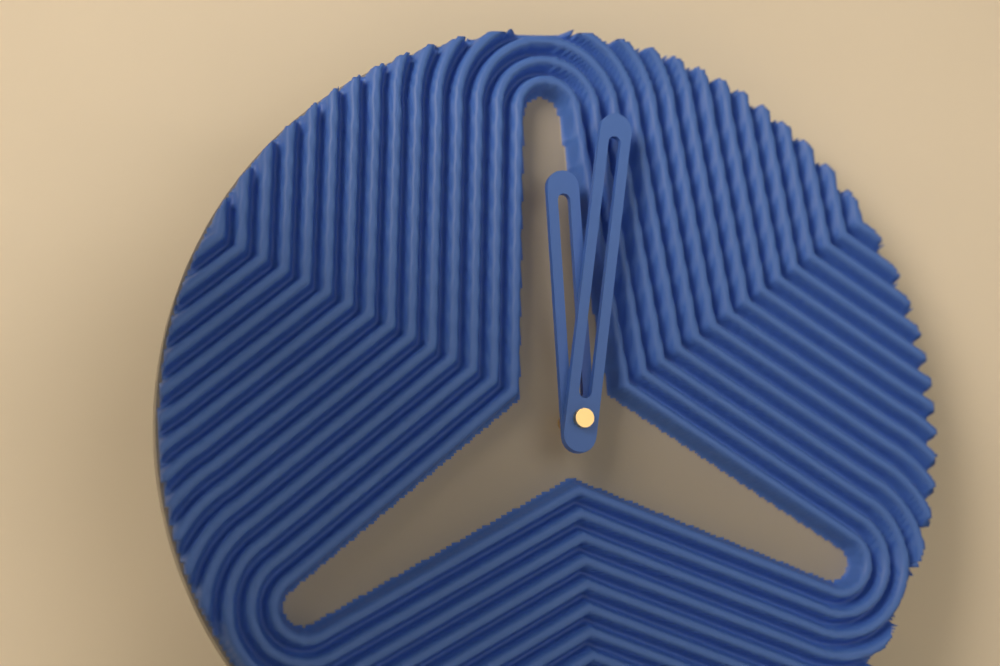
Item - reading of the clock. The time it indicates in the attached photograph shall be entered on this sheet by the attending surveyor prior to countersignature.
12:02
